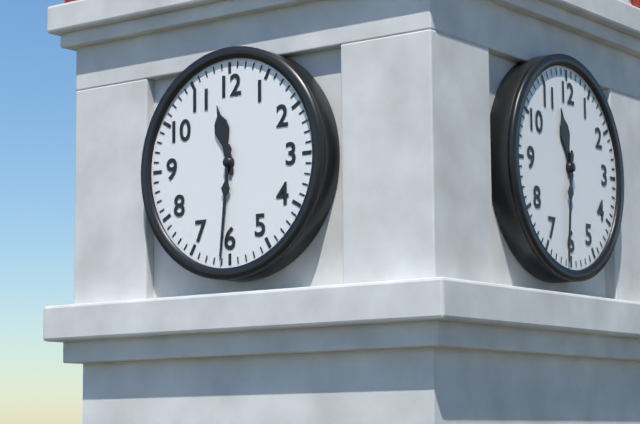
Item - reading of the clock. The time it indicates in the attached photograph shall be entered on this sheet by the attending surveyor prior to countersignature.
11:31
